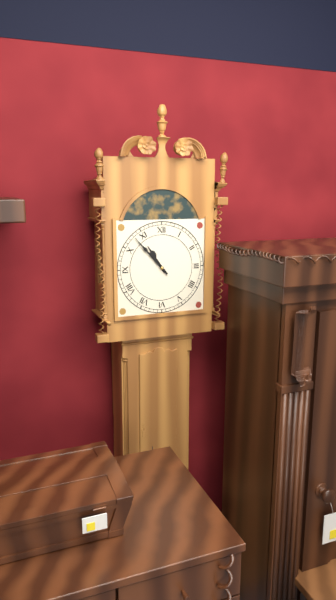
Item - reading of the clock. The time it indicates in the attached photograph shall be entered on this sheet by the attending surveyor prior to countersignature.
10:53
